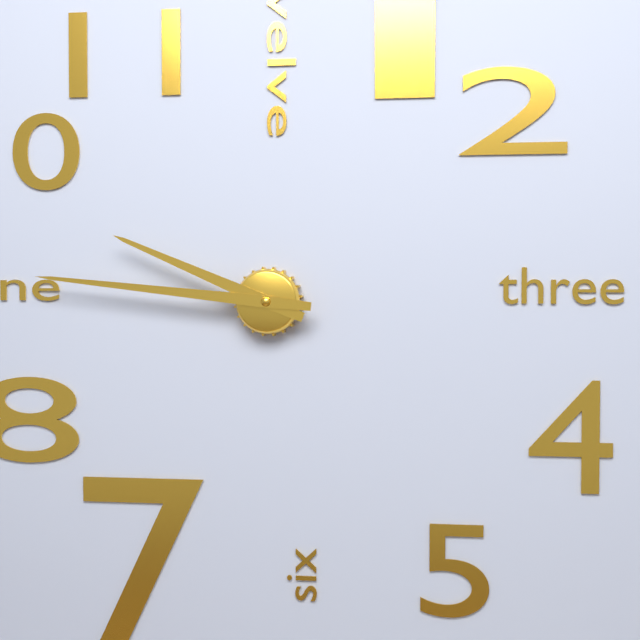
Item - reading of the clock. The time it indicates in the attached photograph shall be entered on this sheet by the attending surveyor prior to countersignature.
9:46
